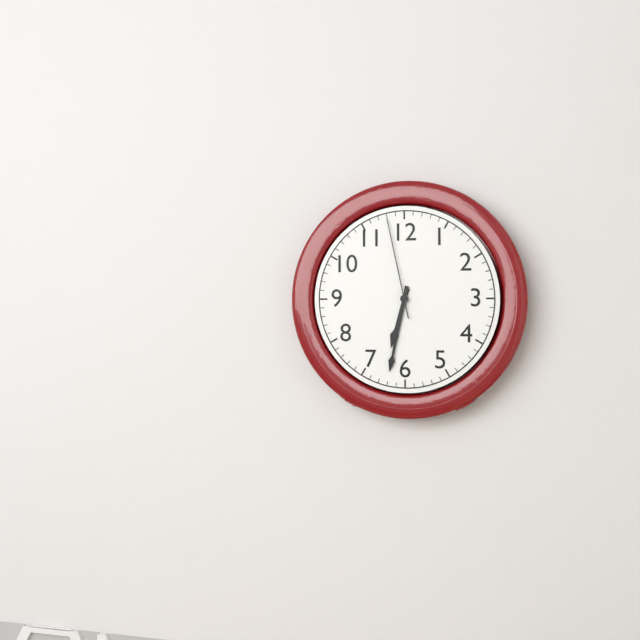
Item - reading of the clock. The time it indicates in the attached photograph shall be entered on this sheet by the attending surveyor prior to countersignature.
6:32:58
